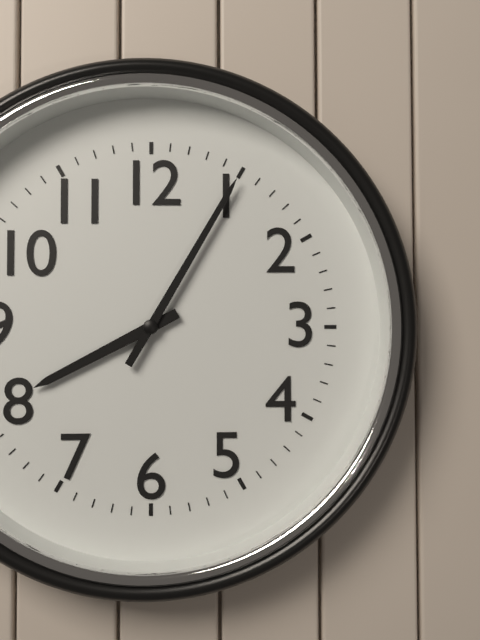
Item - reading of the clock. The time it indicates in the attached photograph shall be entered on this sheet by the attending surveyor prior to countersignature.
8:05
